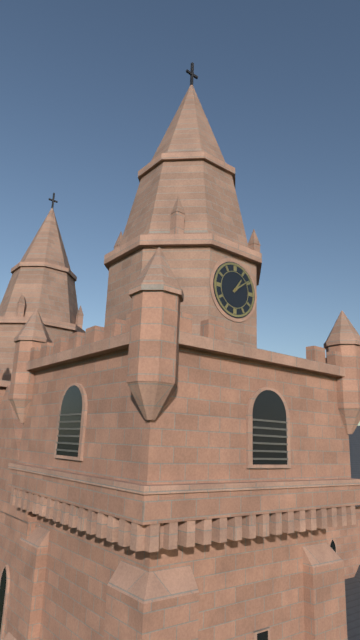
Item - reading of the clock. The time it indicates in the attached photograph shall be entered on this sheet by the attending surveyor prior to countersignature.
1:09
